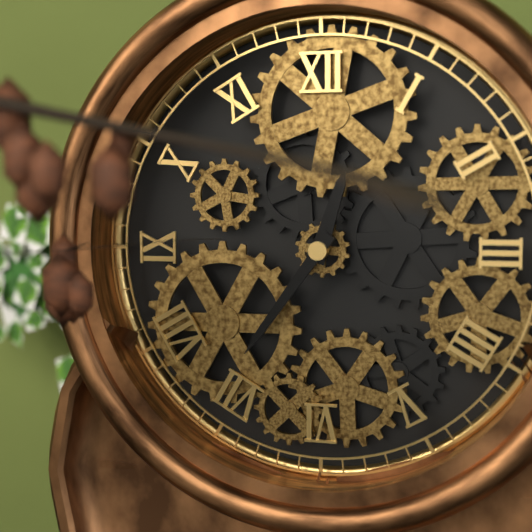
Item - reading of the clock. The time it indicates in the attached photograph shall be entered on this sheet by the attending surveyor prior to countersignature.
12:36
